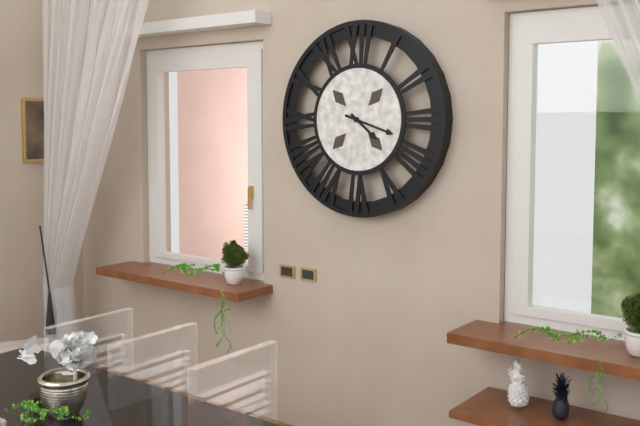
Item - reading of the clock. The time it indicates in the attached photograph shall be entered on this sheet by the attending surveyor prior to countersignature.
4:18
